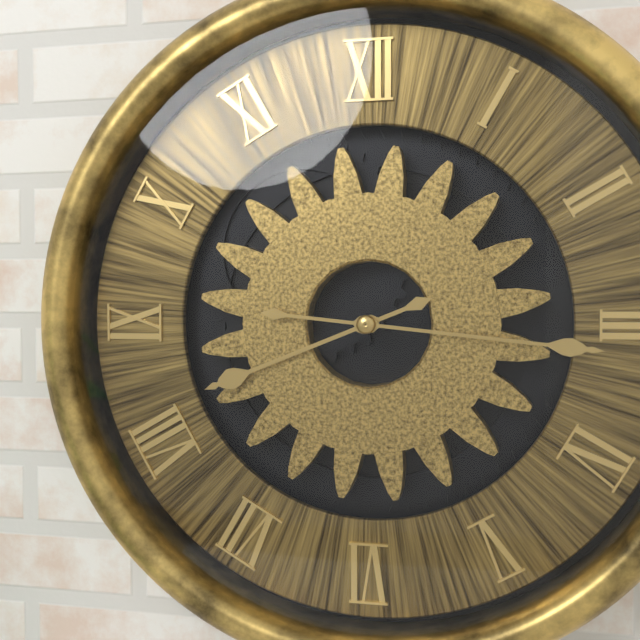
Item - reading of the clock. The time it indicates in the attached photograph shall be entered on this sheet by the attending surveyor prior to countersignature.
8:16
